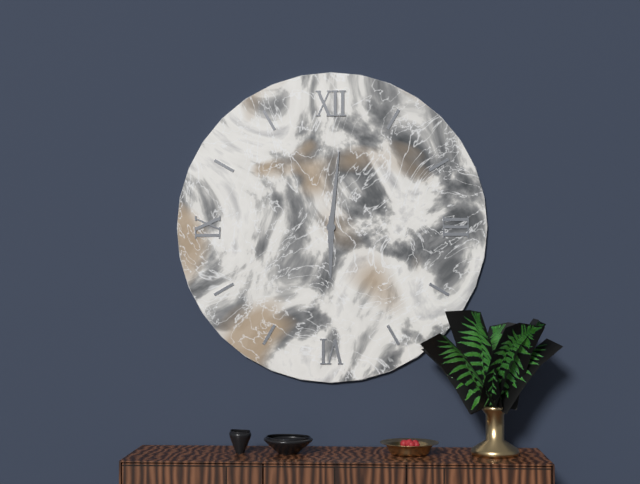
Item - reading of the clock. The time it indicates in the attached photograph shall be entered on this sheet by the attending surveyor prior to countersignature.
6:01
